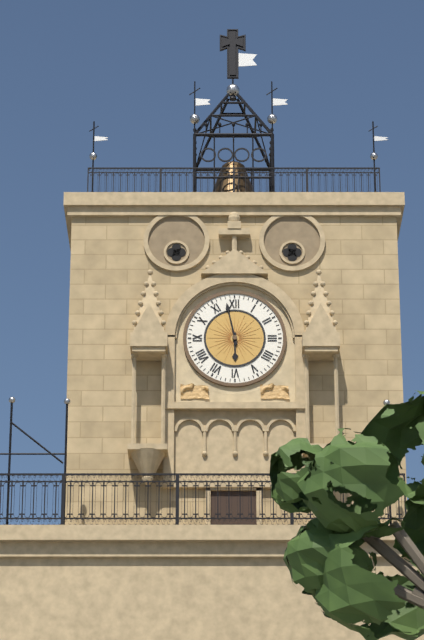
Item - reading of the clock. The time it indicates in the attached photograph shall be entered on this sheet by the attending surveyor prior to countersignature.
5:58
